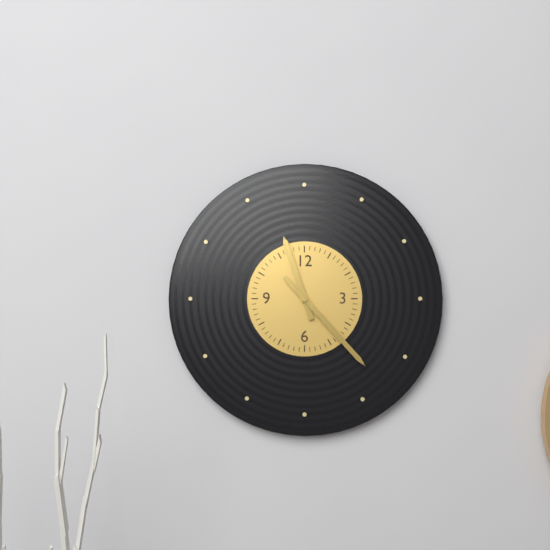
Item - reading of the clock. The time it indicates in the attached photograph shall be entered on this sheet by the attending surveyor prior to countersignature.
11:23
